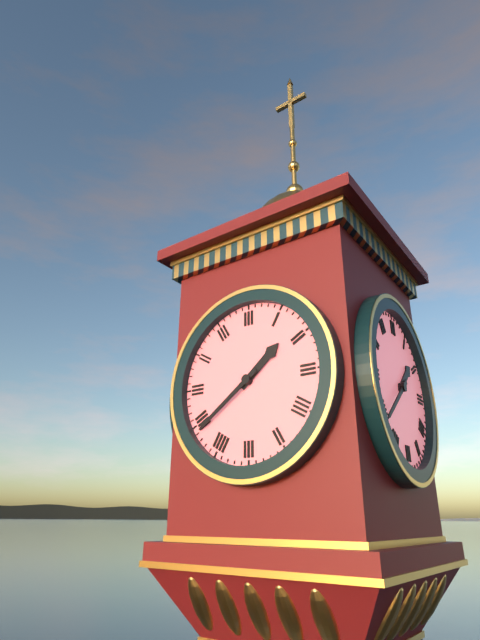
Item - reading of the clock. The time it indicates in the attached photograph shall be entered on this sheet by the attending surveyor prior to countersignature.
1:39
